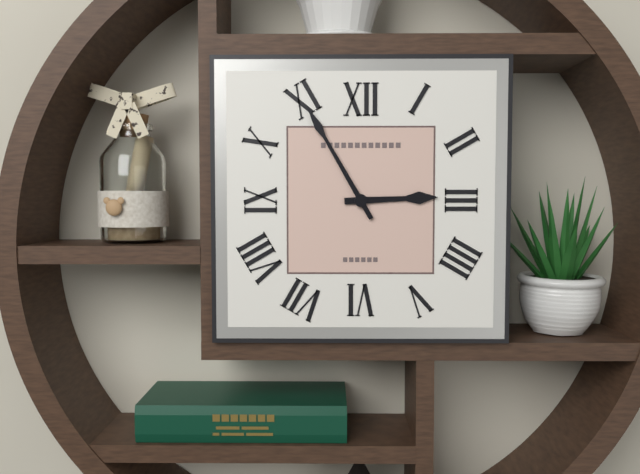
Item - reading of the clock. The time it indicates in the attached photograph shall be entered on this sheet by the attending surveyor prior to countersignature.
2:55
